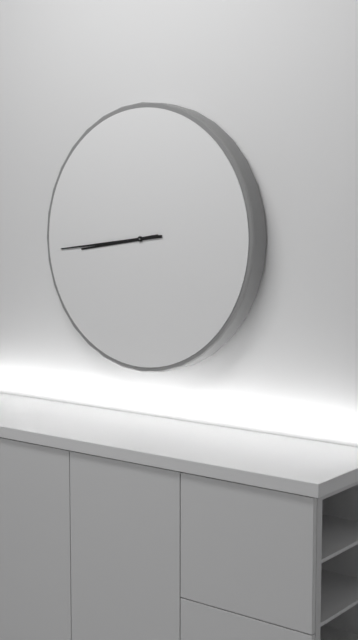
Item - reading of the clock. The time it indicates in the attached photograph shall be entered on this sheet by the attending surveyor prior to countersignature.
8:44
